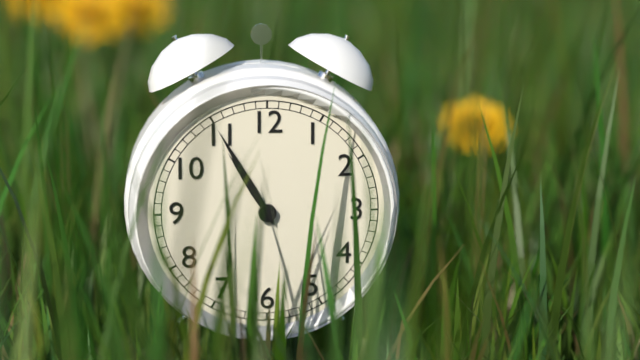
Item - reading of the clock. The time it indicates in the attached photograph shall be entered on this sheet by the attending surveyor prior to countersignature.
10:55
